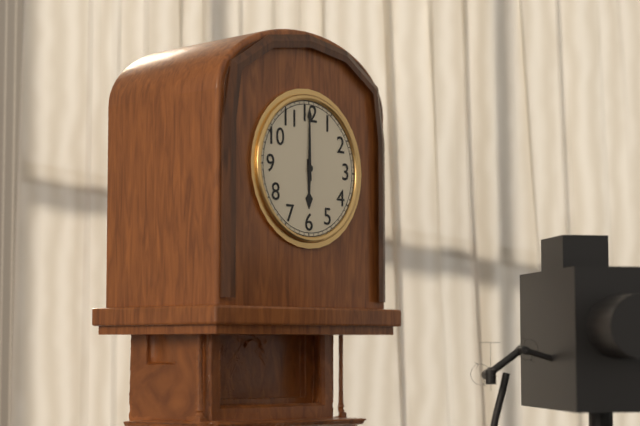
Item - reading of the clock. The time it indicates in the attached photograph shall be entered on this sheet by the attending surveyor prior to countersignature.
6:00
